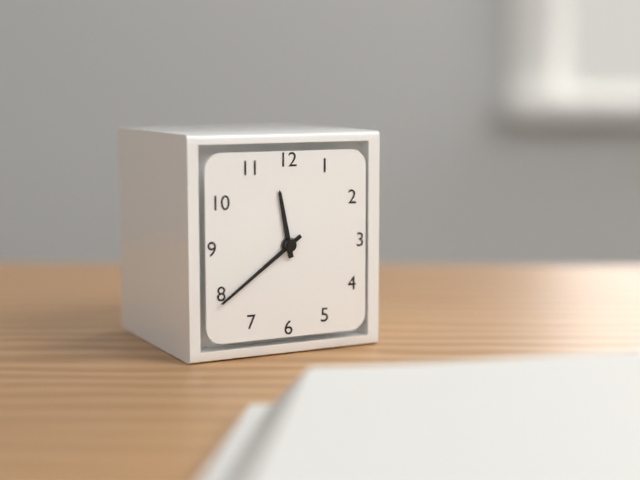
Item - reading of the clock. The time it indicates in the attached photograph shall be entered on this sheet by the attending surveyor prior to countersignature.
11:39
